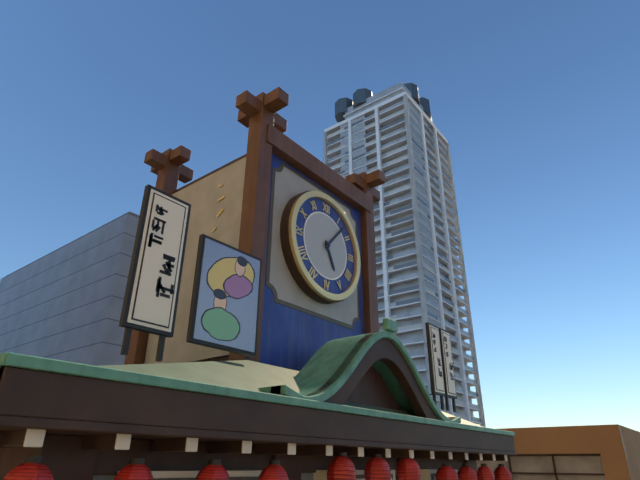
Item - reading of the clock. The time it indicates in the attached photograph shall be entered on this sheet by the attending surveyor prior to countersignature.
5:07
